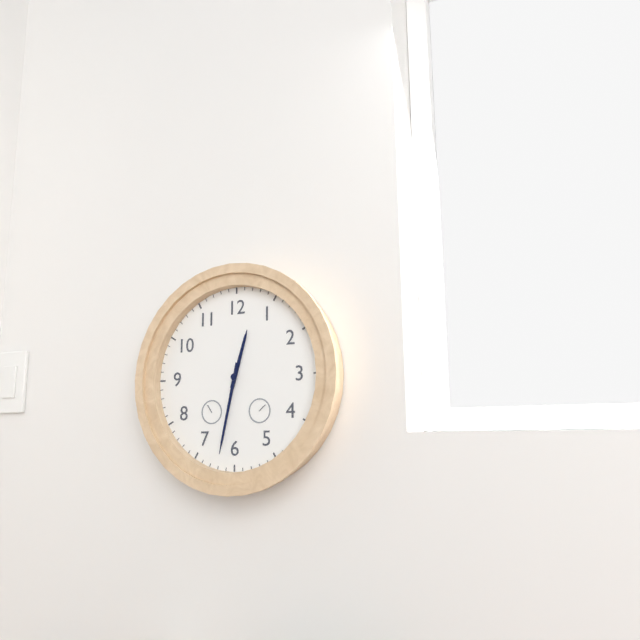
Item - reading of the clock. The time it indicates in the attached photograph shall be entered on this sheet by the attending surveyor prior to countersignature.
12:32
